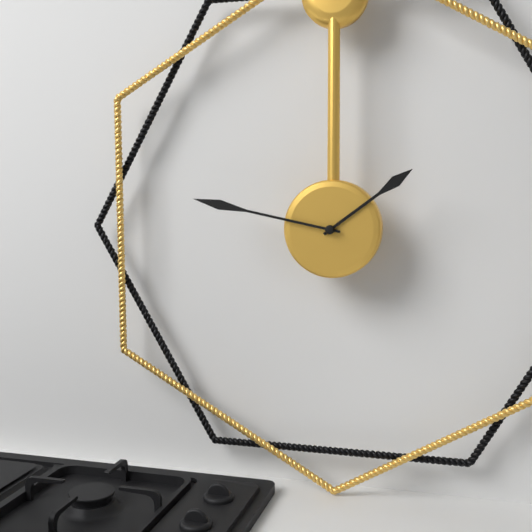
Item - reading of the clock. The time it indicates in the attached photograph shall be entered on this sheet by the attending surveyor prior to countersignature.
1:47
